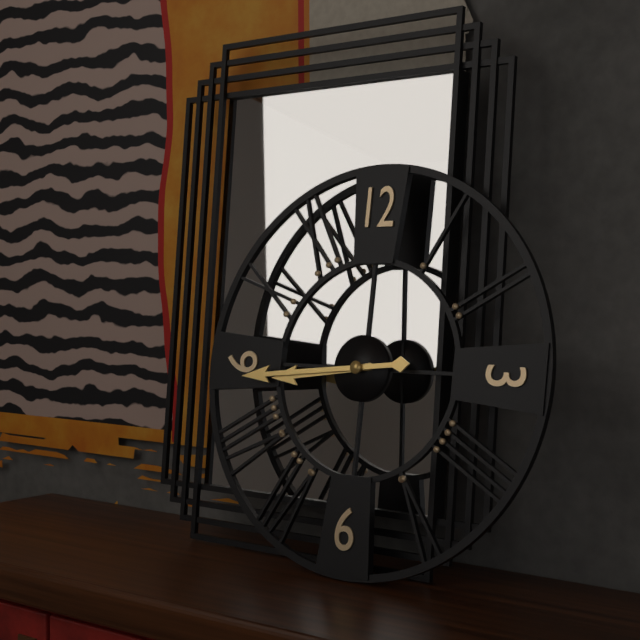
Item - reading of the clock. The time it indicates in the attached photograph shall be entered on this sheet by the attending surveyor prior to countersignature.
8:44
